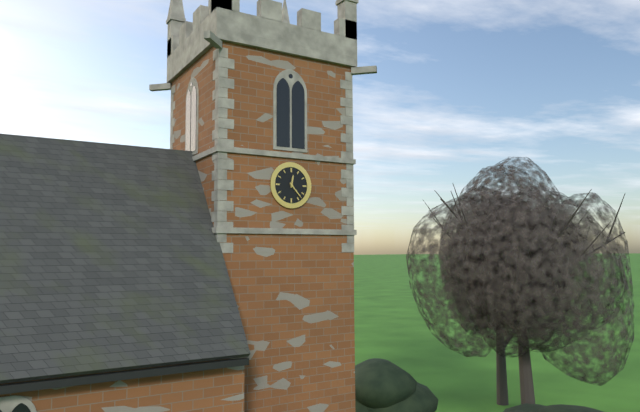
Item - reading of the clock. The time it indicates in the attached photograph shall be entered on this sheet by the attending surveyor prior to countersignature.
12:23
